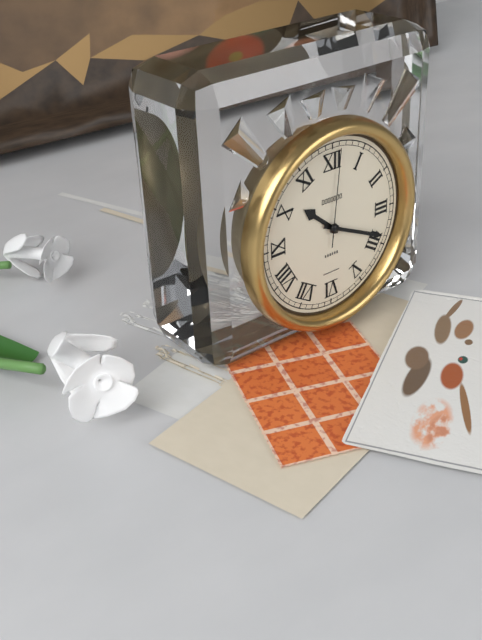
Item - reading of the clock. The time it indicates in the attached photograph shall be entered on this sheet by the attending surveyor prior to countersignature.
10:19:01
